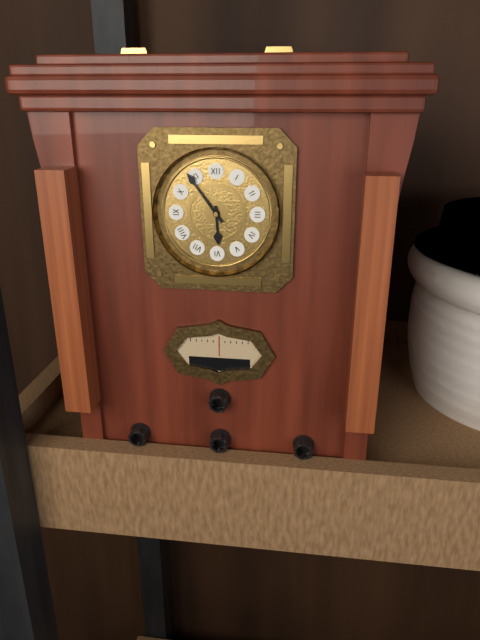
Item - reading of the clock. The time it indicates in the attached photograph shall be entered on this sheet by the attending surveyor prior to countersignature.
5:54
